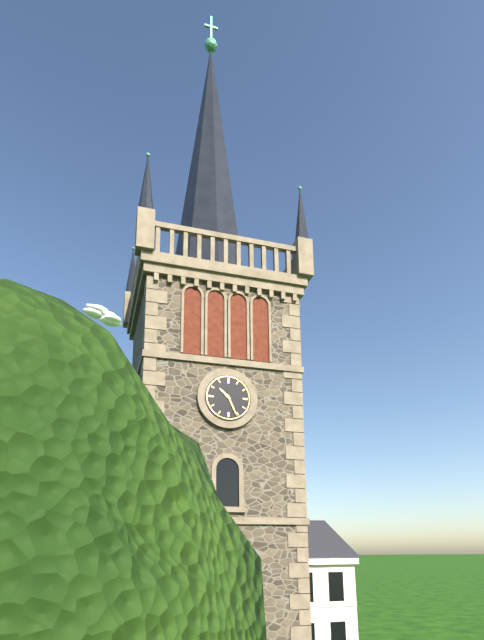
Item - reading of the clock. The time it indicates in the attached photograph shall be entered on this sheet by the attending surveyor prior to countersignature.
10:26
